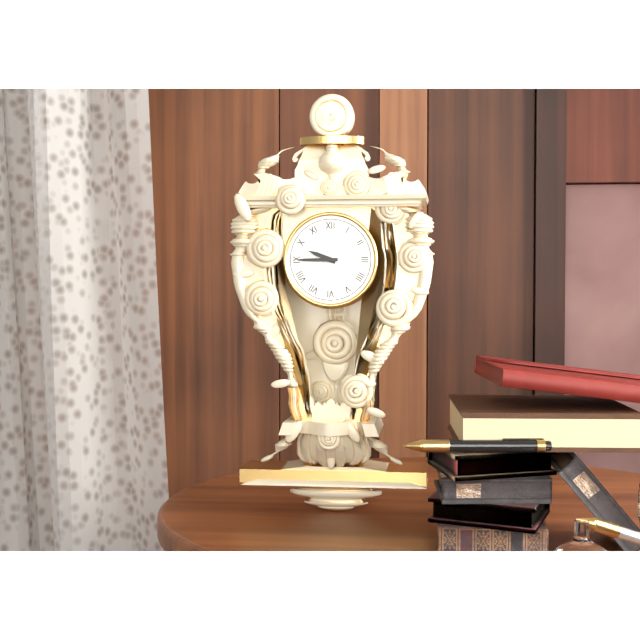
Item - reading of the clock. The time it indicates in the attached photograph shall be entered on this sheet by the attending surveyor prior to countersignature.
9:45
